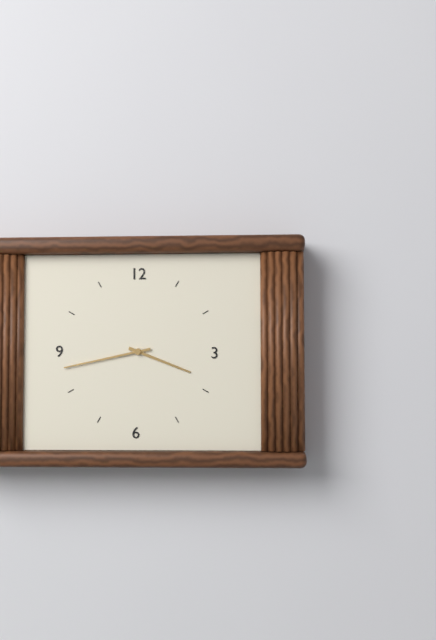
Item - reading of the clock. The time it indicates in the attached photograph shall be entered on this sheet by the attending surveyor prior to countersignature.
3:43
